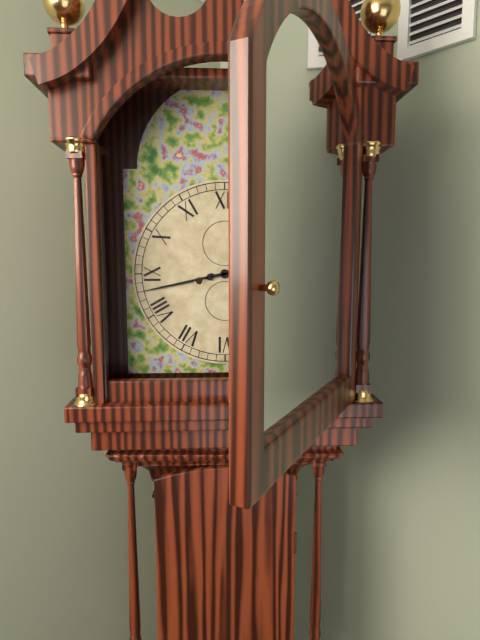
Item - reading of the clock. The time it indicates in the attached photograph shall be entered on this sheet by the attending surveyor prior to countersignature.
2:43
